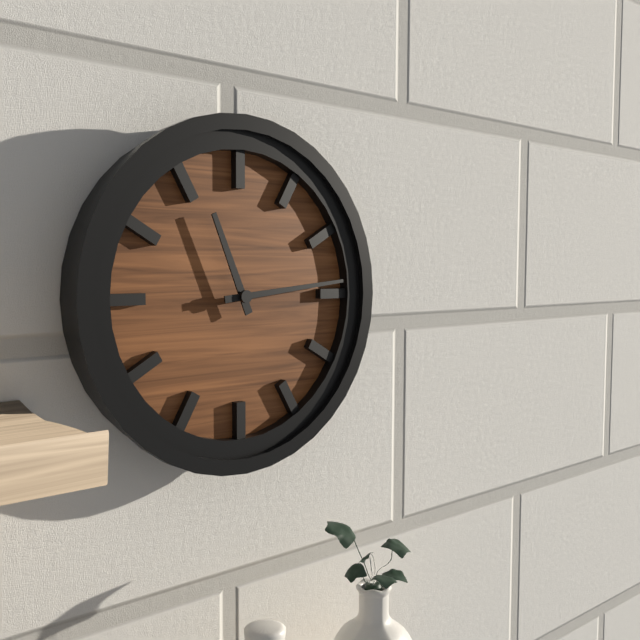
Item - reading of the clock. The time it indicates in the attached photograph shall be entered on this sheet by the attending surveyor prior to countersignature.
11:14
